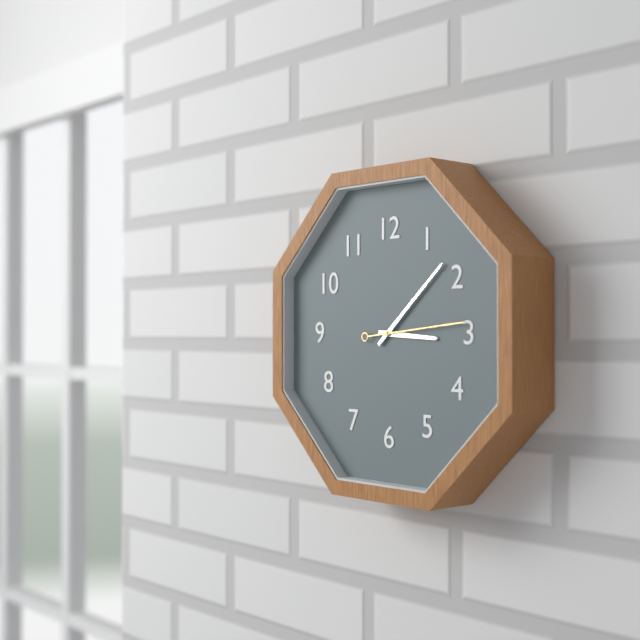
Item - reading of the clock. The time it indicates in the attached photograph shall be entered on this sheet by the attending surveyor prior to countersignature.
3:08:14
